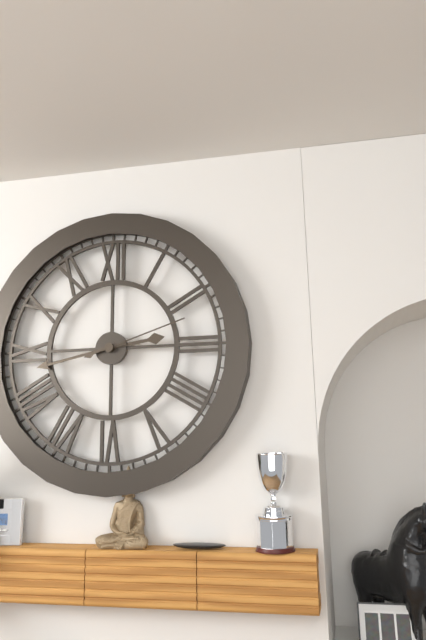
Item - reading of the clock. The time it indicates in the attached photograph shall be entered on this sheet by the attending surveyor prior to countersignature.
2:43:12
